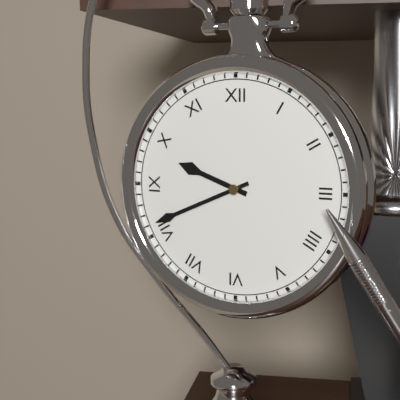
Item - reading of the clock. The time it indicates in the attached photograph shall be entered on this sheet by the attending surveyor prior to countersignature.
9:41
